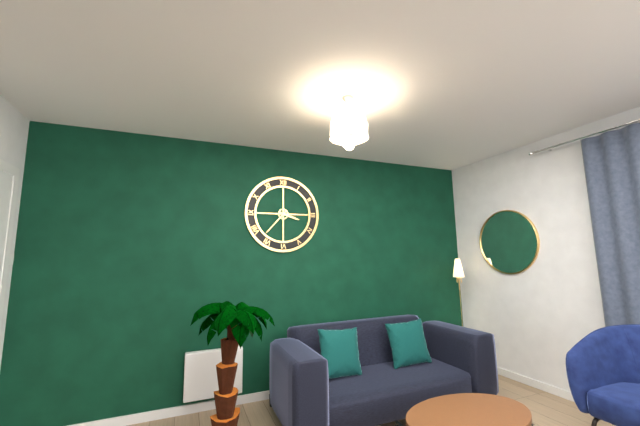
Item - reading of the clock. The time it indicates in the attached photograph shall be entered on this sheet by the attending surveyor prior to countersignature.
3:37
